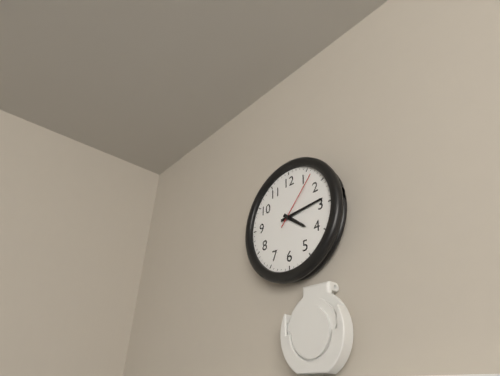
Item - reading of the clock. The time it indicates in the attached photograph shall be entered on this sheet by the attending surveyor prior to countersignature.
4:14:07
